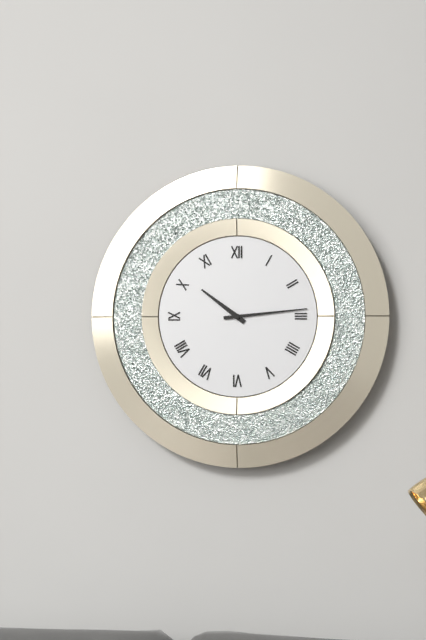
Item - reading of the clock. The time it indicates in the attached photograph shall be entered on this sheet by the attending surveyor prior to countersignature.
10:14
